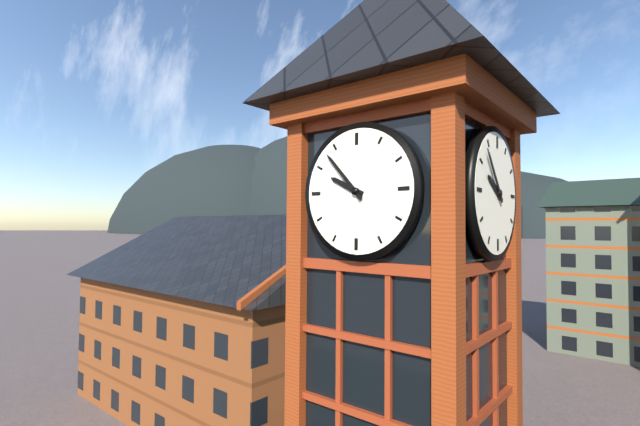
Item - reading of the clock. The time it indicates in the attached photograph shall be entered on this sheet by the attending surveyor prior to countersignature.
9:53
